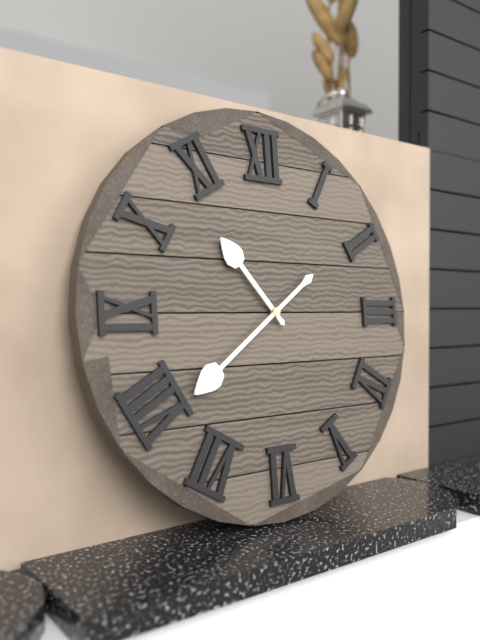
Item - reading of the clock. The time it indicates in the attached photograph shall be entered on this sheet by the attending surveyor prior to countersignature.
10:39
